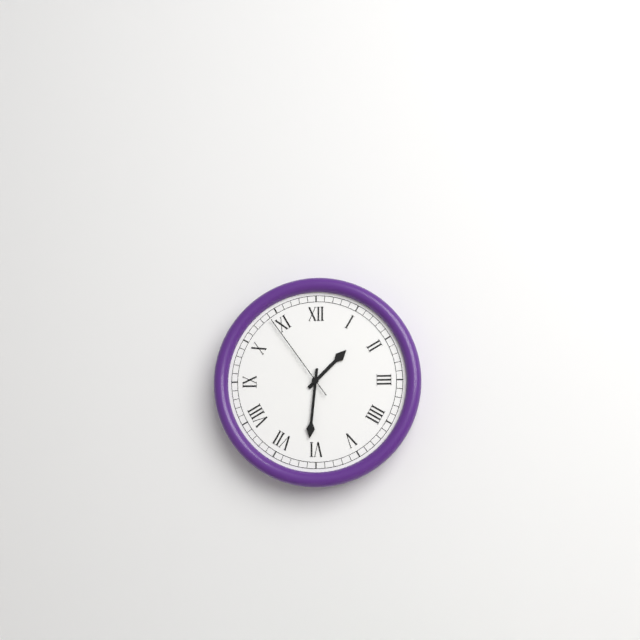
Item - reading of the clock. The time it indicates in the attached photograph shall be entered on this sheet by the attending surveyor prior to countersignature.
1:31:54
